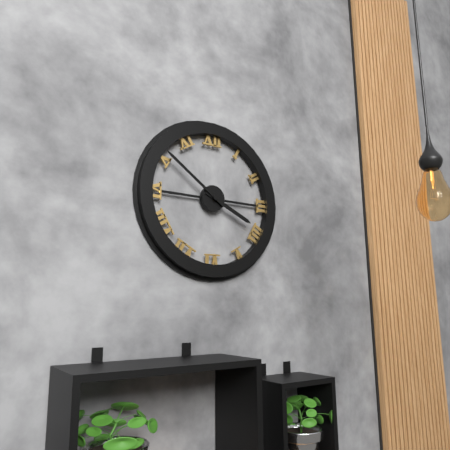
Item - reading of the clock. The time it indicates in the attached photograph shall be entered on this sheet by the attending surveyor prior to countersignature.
3:51
